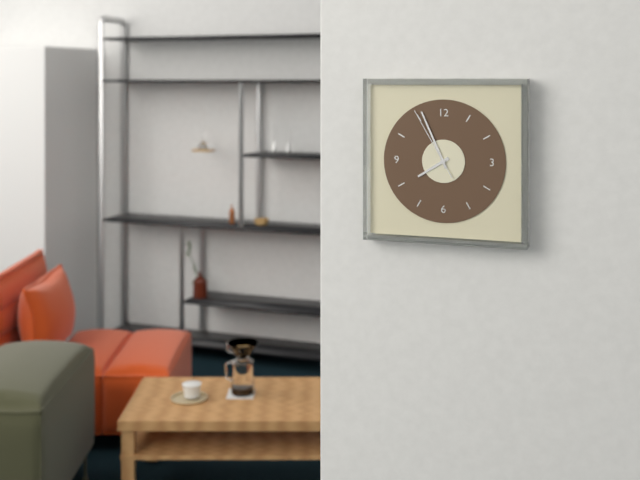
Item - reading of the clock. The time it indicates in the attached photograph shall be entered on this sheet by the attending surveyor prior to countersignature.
7:56:55
